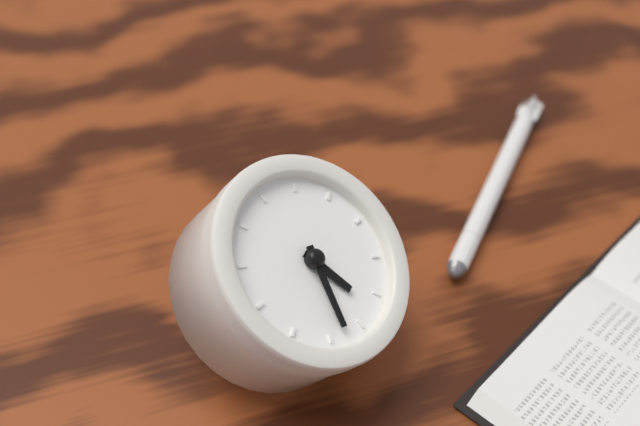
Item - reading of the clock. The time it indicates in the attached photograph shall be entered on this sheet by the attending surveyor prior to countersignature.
4:28
